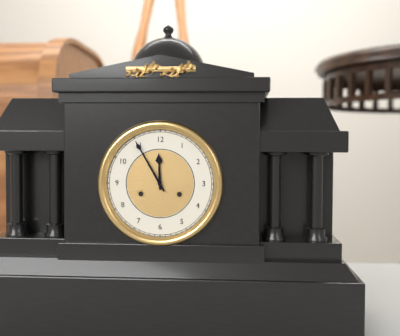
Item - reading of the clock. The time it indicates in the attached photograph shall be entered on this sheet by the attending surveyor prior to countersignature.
11:55
